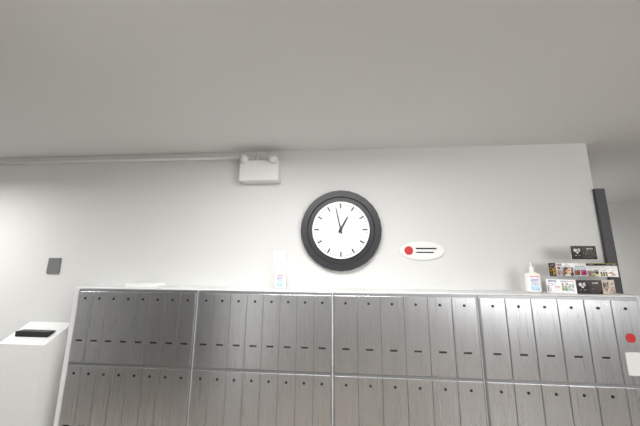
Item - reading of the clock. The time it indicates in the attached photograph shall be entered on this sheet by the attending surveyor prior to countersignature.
12:58
